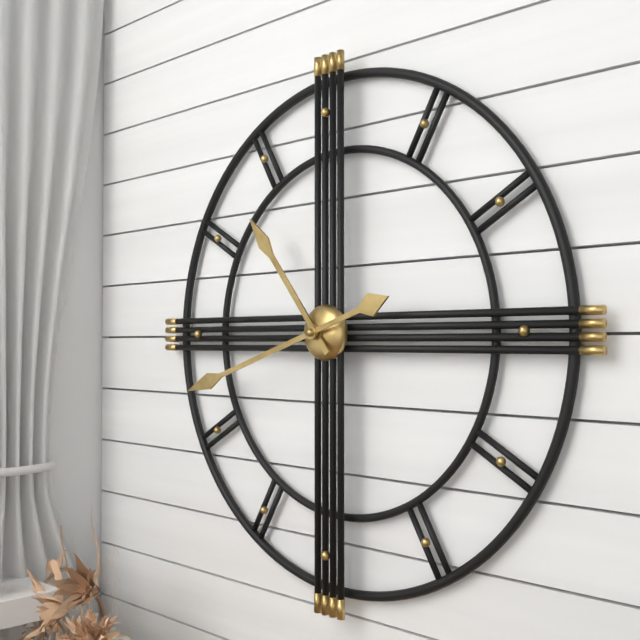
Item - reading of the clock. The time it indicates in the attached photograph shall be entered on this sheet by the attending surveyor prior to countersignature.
10:42
